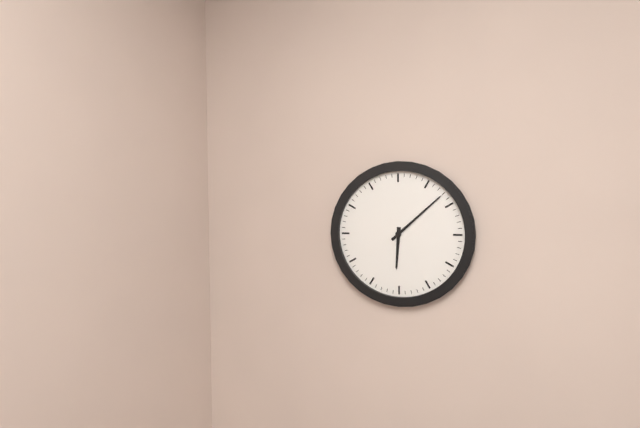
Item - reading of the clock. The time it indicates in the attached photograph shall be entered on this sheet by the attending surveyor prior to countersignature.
6:08
